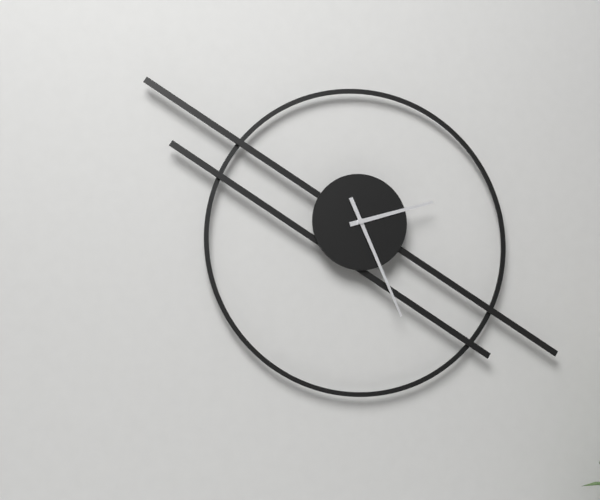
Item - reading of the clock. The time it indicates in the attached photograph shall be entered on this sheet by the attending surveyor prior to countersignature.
2:26
